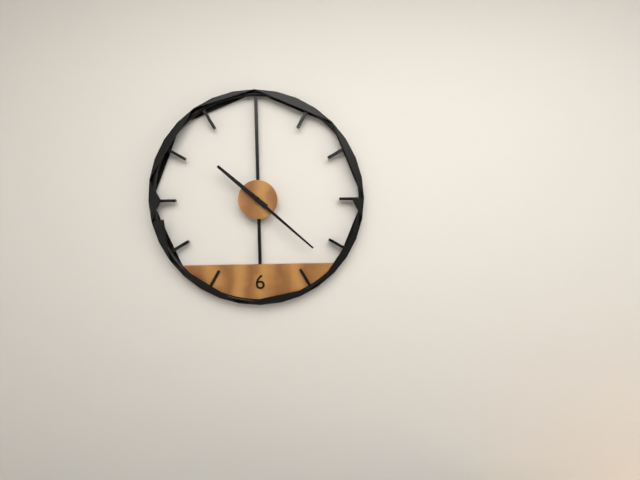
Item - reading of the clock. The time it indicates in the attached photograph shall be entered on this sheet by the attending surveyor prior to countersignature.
10:22
